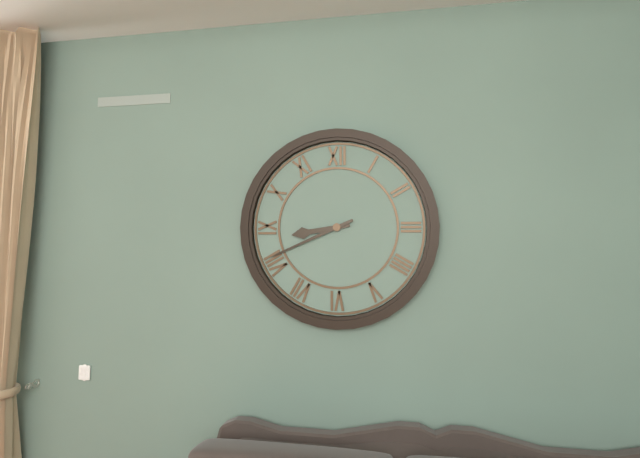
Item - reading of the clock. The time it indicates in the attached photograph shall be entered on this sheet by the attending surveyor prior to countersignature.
8:41
